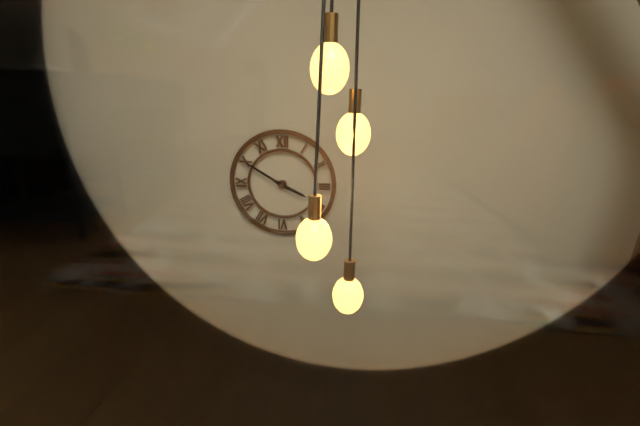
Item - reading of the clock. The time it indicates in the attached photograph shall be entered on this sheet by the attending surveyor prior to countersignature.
3:50
